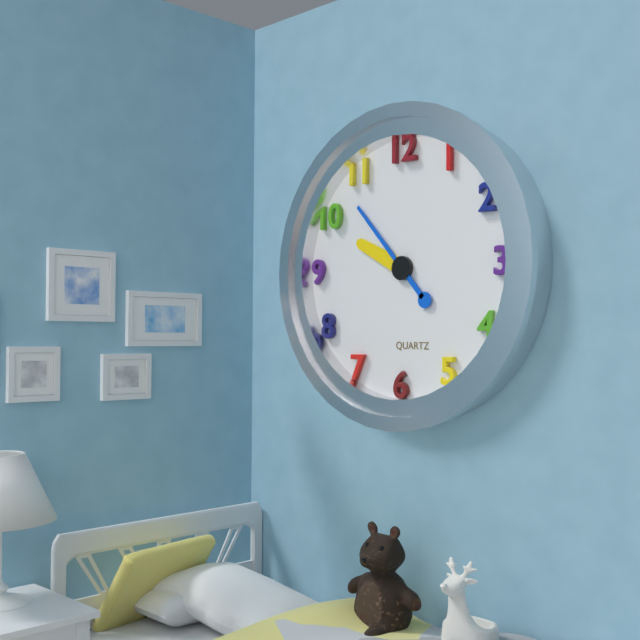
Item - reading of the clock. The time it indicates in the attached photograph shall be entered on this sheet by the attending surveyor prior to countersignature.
9:53
